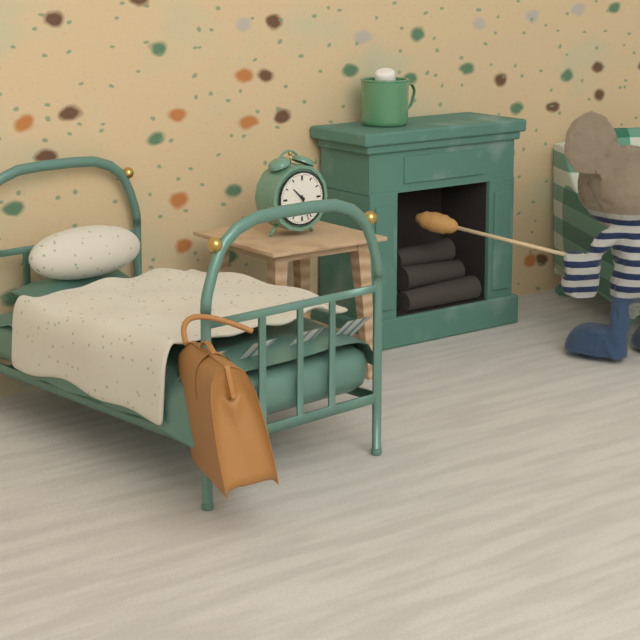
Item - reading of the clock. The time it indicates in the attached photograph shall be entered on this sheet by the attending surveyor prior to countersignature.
10:27
